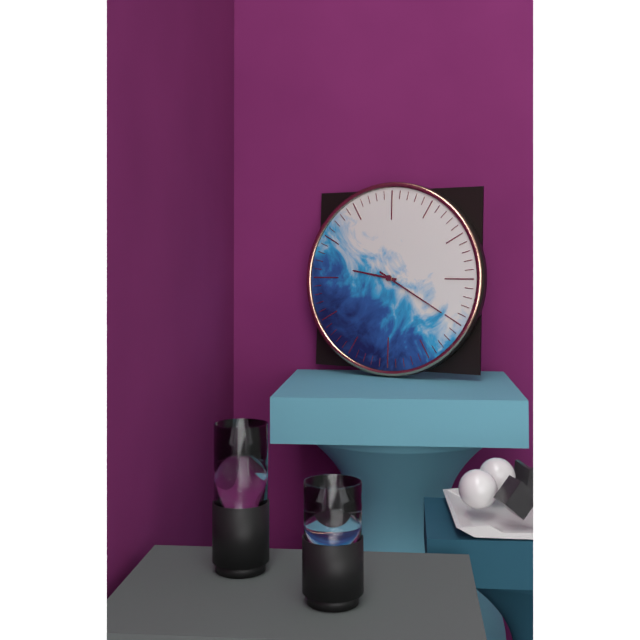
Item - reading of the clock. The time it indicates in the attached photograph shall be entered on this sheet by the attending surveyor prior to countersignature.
9:20
